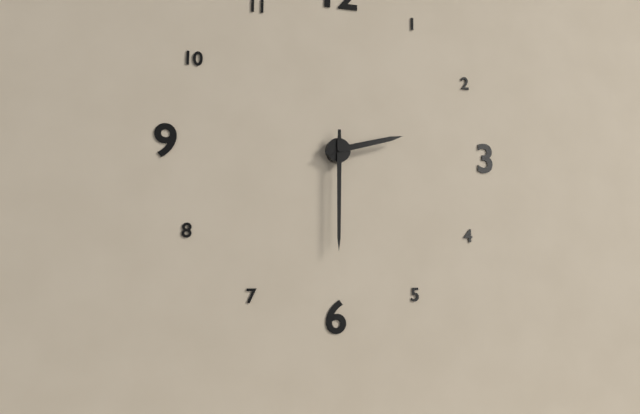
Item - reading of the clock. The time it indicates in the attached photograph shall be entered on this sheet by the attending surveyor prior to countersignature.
2:30
